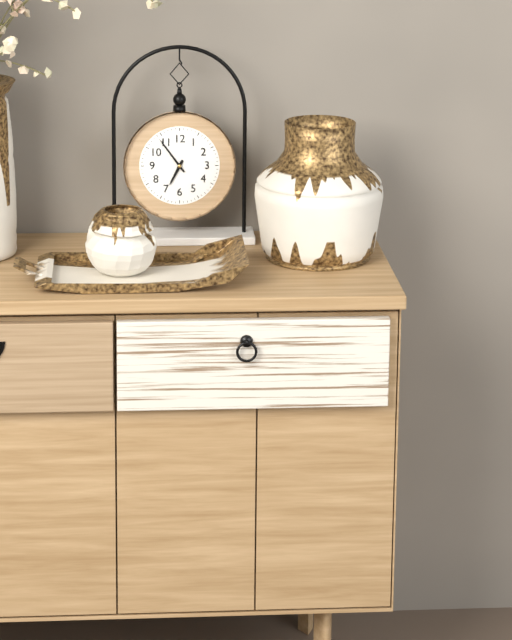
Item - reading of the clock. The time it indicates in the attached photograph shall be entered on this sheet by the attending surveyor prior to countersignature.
6:54
